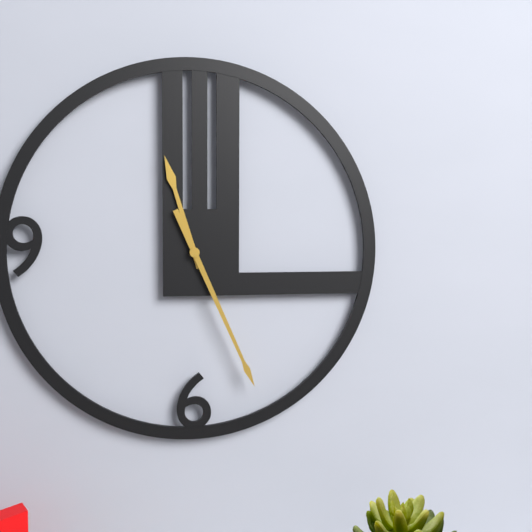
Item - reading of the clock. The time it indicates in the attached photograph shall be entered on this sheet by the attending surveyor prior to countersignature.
11:26
